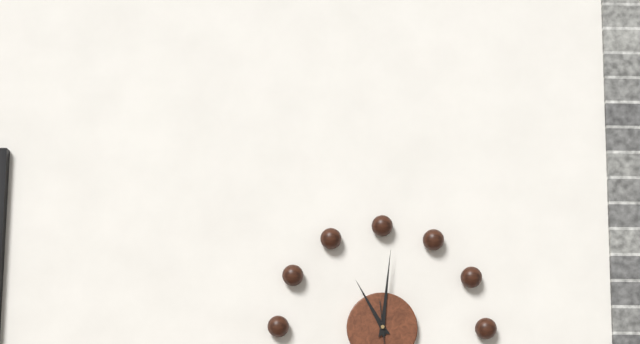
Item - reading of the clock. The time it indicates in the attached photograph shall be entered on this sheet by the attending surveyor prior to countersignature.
11:01
